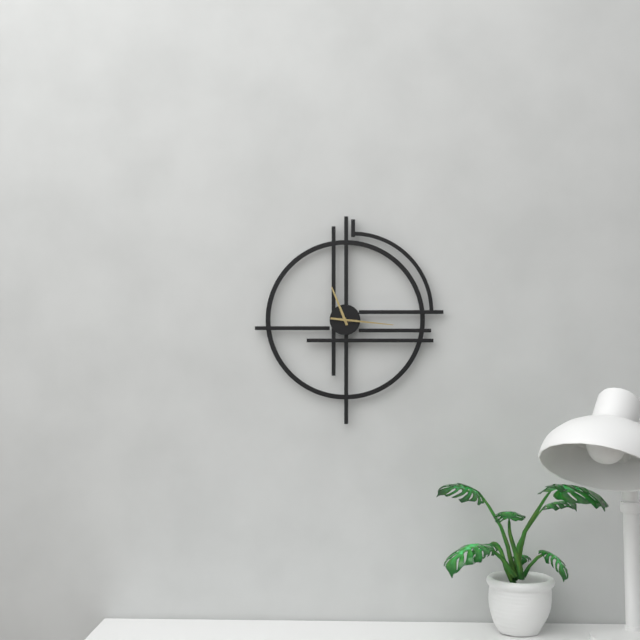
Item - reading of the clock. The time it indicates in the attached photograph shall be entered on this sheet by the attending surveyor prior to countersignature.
11:16
